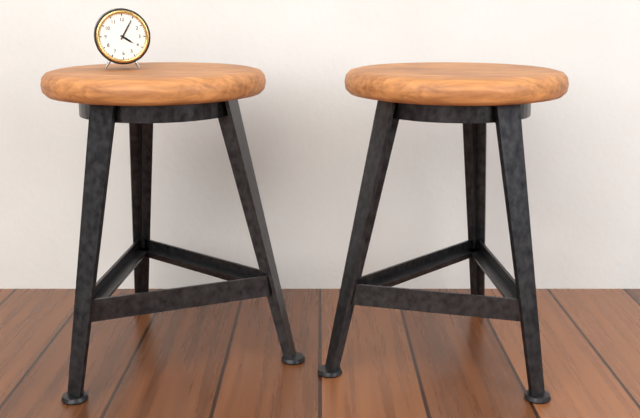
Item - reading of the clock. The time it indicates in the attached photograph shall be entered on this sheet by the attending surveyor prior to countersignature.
4:05
